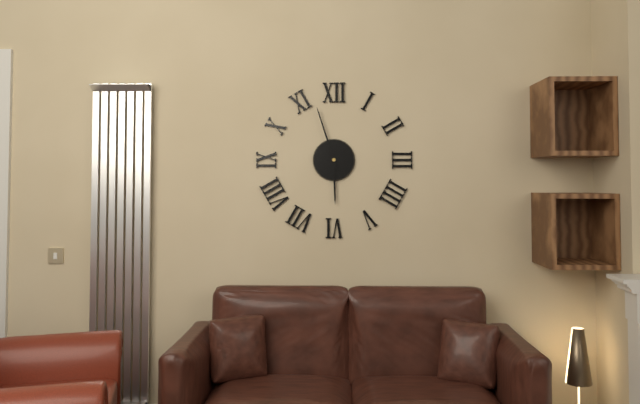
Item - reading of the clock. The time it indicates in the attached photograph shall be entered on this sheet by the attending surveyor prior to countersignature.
5:57
